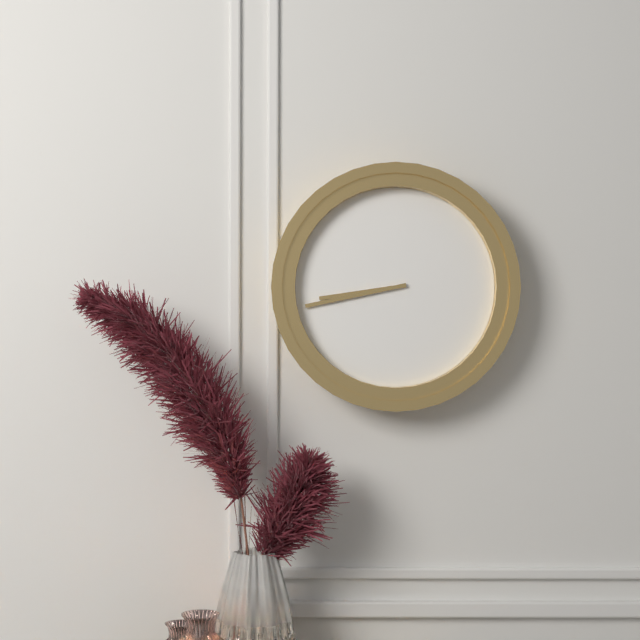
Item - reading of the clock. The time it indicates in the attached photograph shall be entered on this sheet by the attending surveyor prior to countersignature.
8:43
